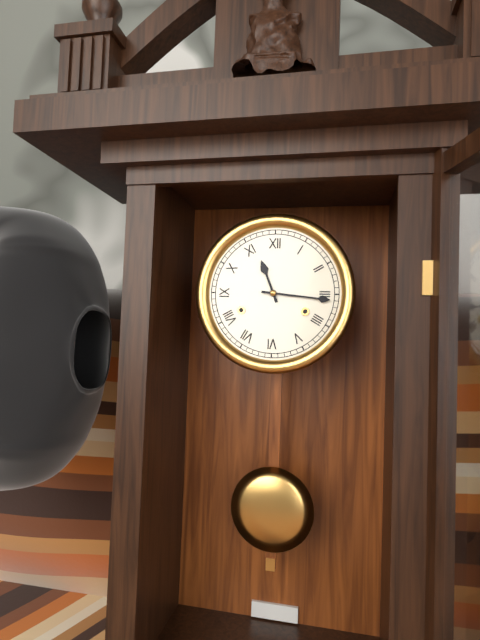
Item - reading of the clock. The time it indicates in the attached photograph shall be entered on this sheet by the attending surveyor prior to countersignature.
11:16
